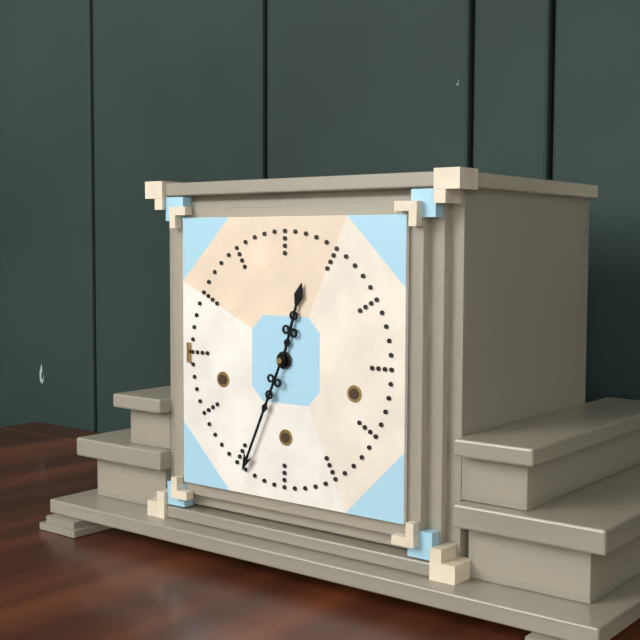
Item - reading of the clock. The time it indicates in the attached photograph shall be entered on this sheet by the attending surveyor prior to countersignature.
12:34
